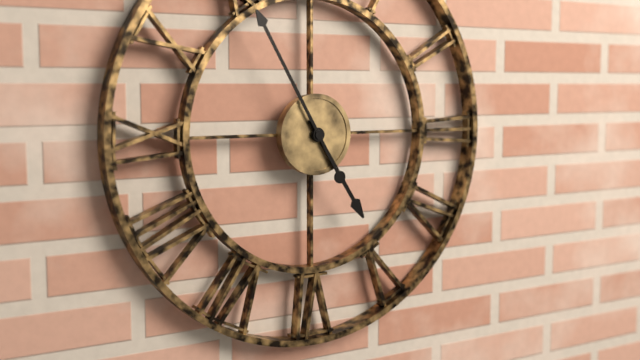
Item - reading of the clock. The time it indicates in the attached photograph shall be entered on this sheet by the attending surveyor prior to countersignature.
4:55
